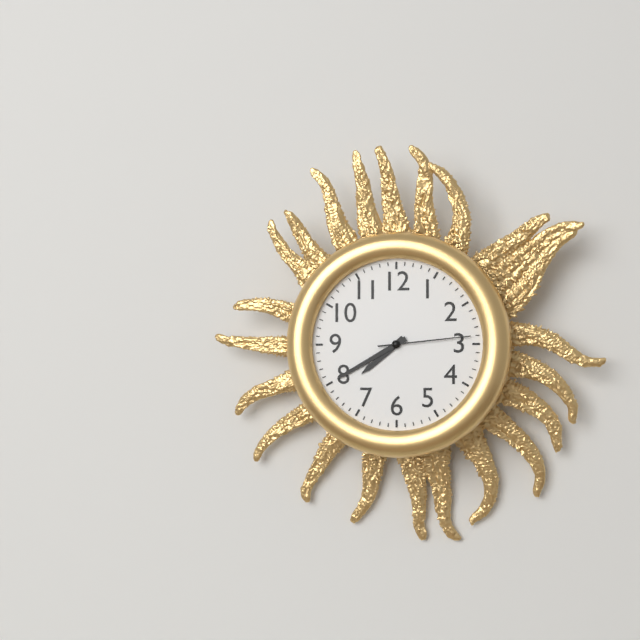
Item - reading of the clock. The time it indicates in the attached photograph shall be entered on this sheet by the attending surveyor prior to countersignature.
7:40:14
